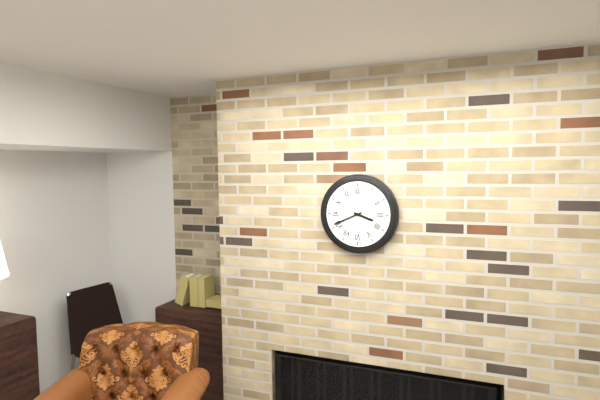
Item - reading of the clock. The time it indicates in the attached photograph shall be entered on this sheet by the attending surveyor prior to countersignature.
3:41
